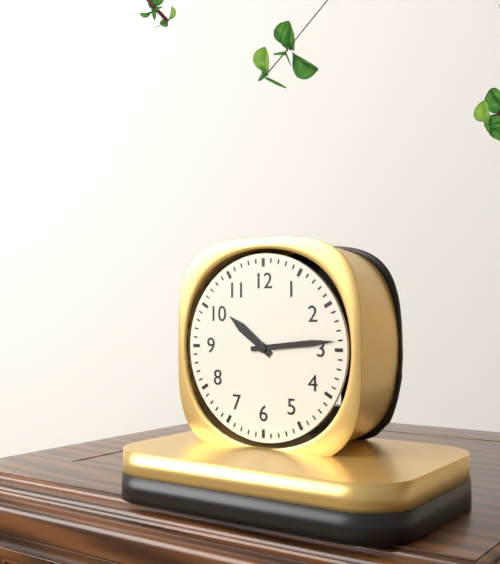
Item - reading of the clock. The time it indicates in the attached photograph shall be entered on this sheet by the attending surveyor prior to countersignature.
10:14
